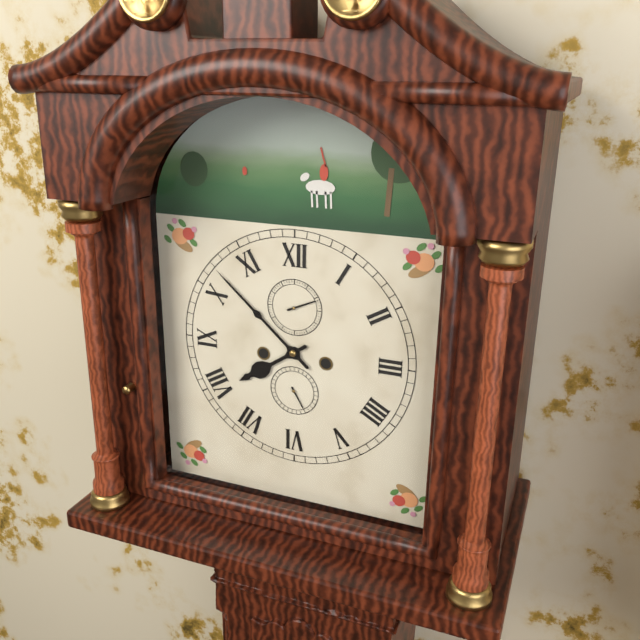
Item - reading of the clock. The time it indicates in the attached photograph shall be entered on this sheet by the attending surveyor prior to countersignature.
7:52
